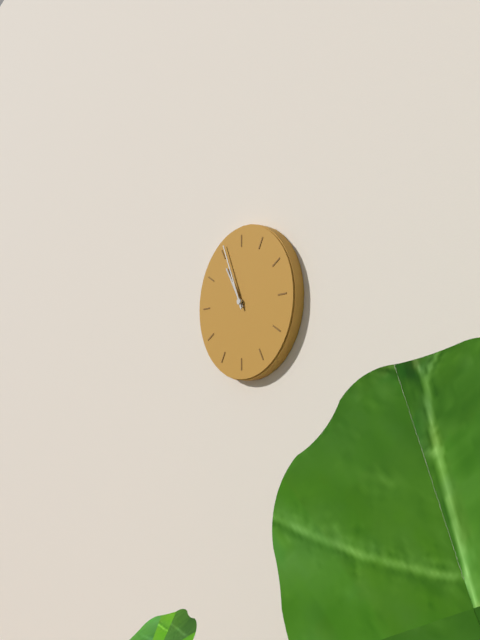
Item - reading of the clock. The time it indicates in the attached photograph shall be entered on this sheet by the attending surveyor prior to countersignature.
10:56
